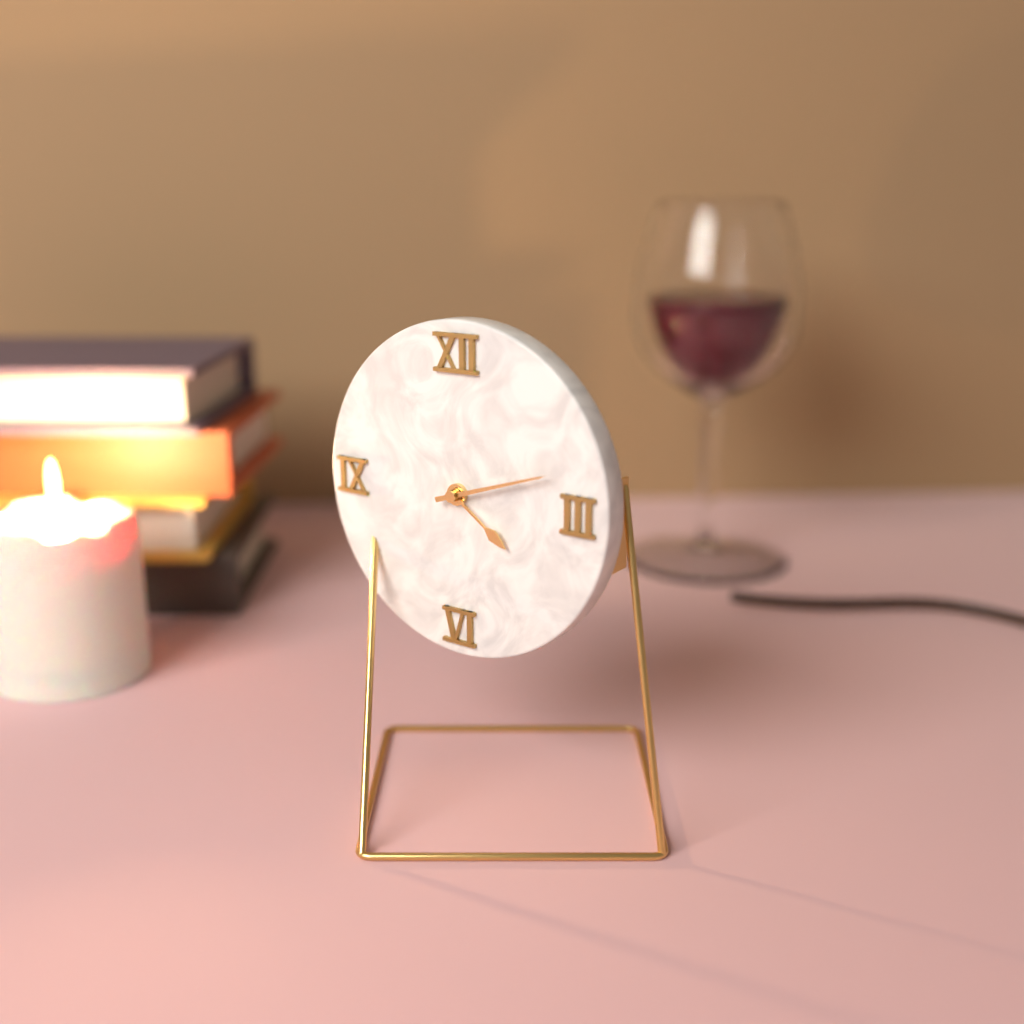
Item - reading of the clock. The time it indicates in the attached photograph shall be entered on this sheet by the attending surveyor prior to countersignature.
4:12
